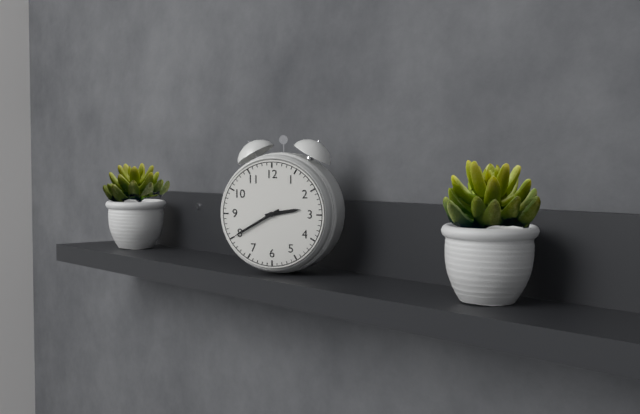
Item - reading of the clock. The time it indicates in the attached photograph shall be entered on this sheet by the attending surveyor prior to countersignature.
2:40
